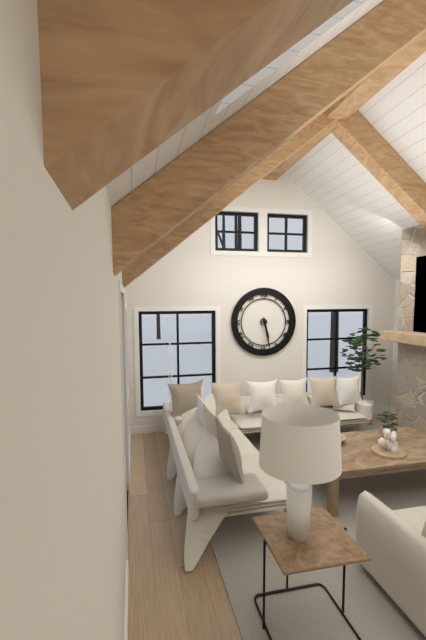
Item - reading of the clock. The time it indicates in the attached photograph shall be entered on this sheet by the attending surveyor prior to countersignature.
5:28
